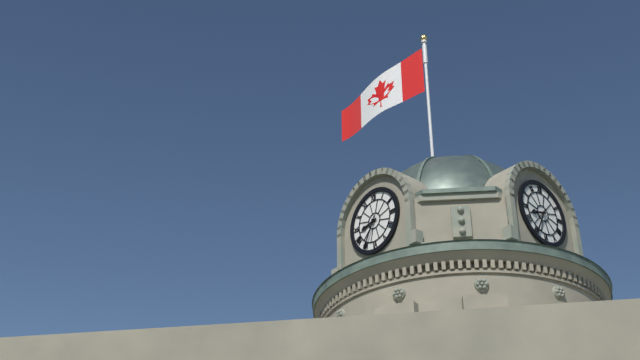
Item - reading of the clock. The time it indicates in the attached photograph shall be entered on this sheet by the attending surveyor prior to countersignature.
8:35
